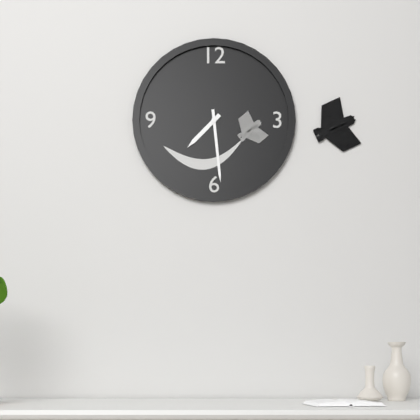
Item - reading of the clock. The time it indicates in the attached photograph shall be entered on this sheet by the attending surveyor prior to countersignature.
7:29
